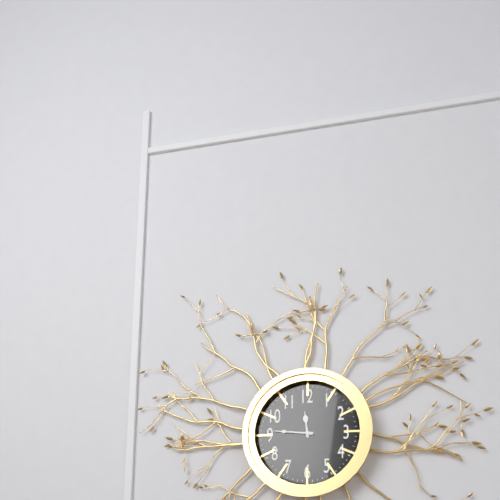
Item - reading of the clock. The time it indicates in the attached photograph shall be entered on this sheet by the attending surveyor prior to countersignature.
11:46
